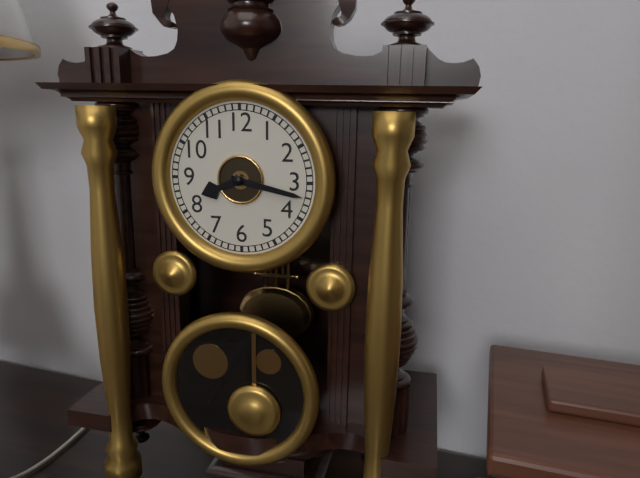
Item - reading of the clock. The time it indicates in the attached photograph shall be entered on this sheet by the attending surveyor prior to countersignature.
8:17
